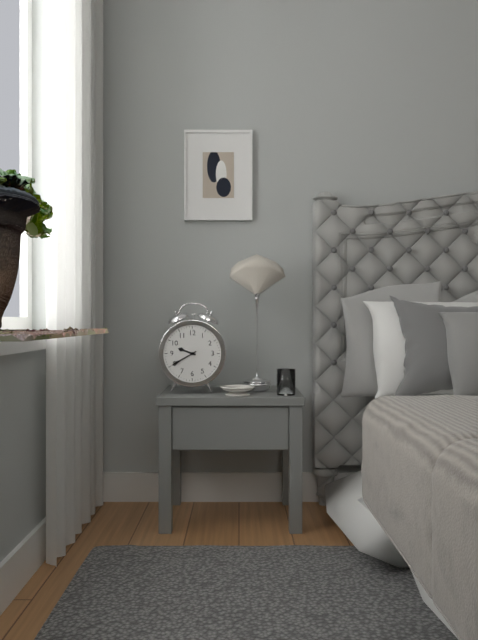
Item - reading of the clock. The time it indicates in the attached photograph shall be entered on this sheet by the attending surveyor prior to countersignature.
9:40
